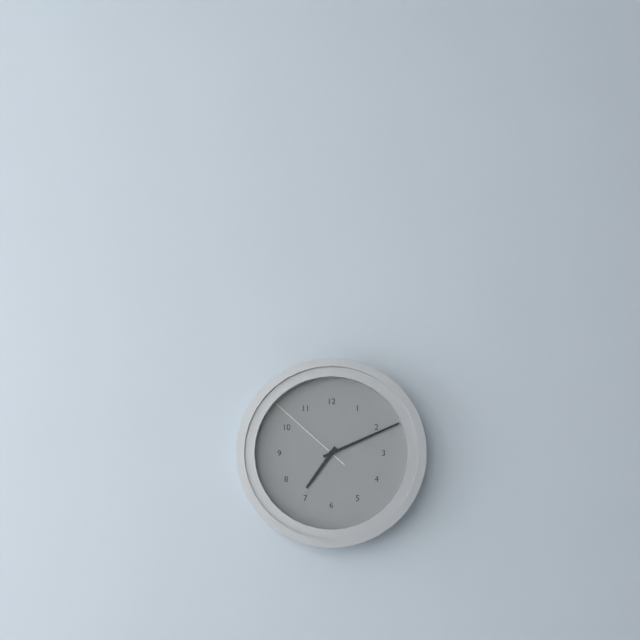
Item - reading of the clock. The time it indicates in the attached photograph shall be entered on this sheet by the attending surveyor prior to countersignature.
7:11:52
